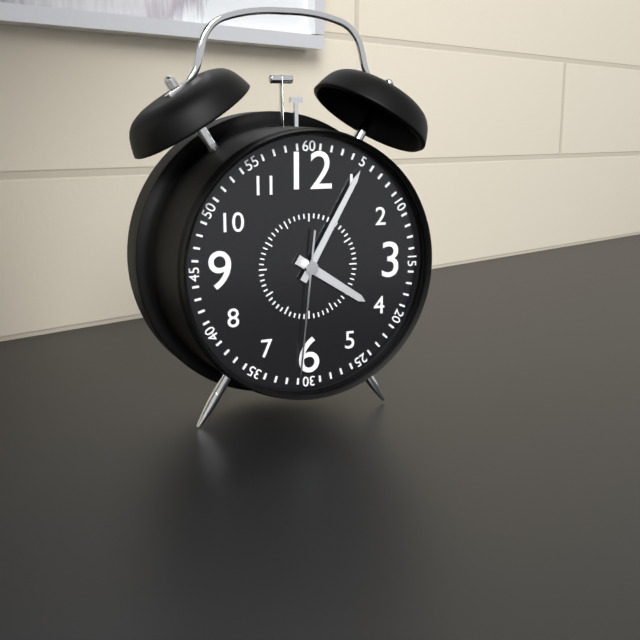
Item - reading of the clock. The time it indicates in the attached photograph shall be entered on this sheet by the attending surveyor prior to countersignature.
4:05:31
